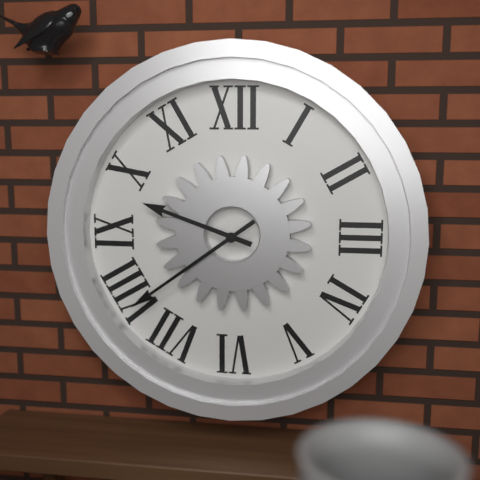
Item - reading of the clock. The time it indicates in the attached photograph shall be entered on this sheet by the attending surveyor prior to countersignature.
9:39
